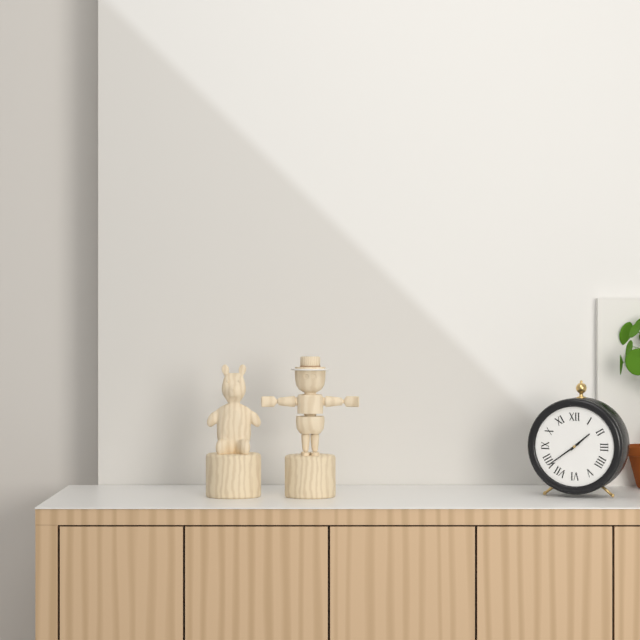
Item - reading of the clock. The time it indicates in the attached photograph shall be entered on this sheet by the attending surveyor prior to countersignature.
1:39
